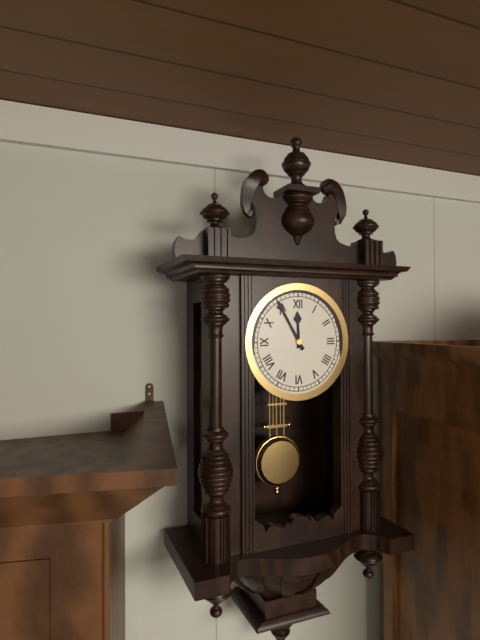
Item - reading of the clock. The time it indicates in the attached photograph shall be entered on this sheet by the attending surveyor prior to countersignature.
11:55
